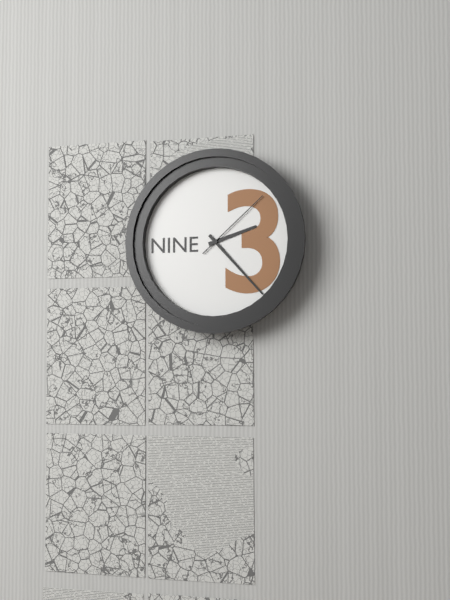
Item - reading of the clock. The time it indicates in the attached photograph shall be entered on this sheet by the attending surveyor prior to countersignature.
2:23:08
